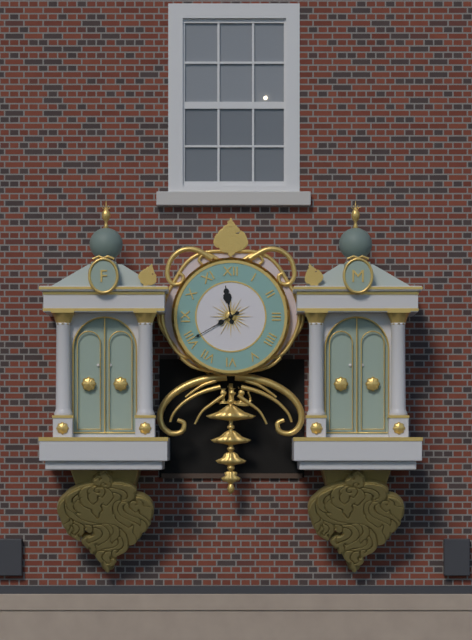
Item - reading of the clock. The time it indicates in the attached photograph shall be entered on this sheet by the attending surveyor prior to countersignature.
11:40
